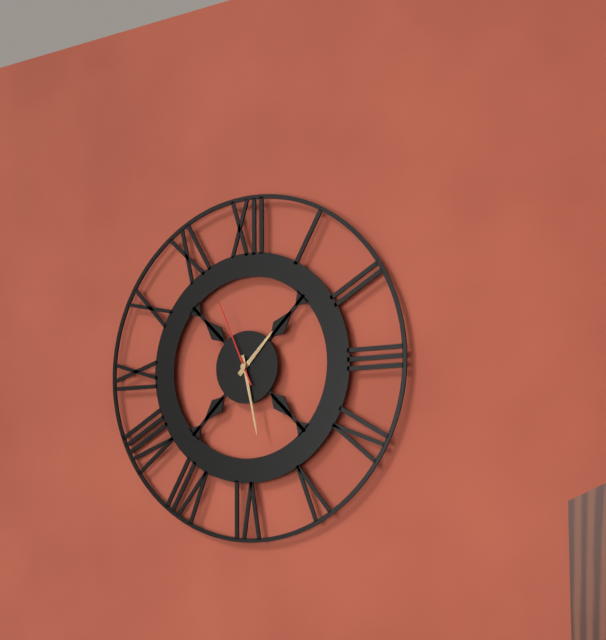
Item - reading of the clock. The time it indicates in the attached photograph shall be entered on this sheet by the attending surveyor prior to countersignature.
1:28:56
